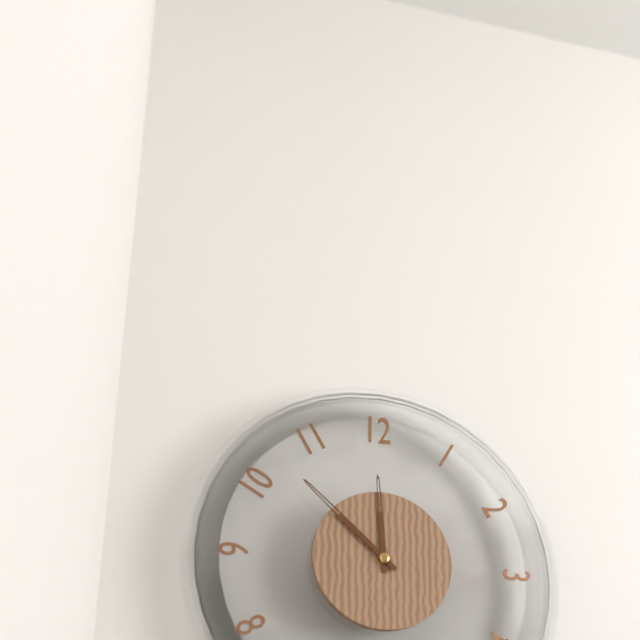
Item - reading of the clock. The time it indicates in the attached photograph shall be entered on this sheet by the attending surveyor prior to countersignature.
11:52
